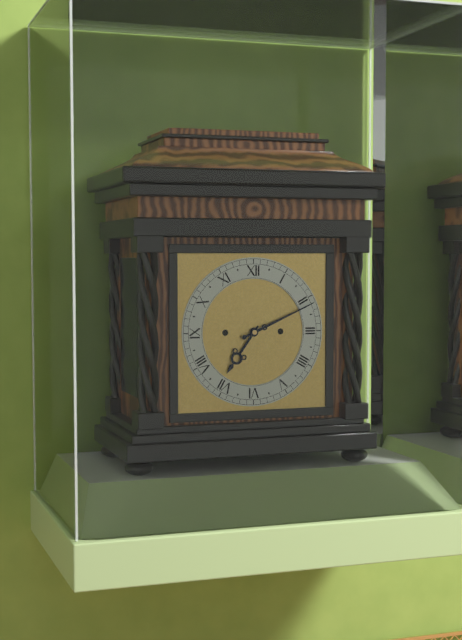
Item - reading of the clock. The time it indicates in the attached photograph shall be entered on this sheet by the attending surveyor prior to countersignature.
7:11
